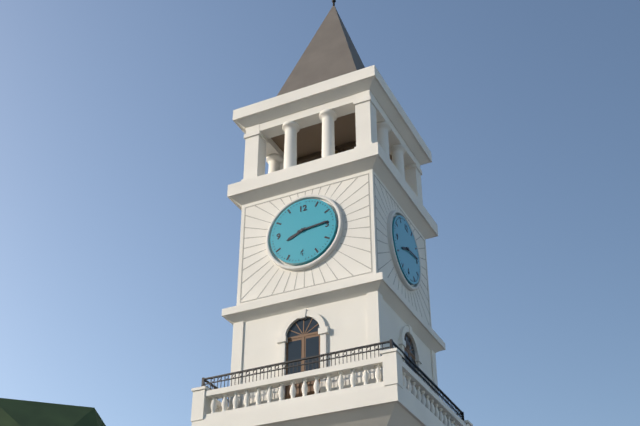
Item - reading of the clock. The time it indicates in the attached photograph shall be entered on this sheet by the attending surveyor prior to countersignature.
8:14
